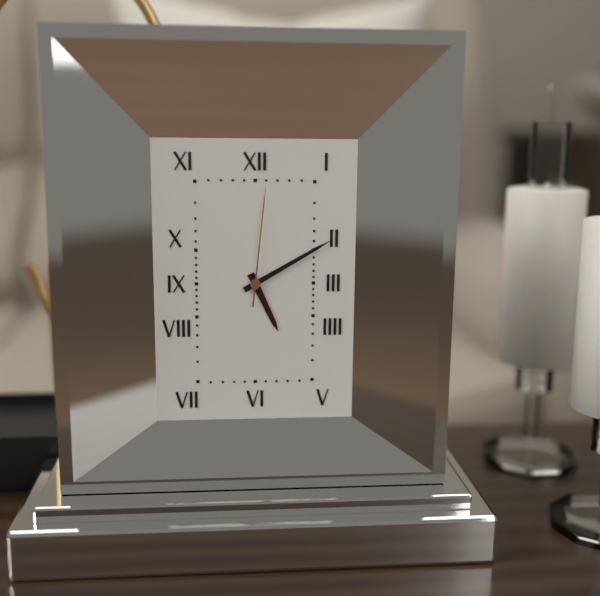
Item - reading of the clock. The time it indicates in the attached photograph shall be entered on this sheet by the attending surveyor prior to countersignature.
5:10:01
